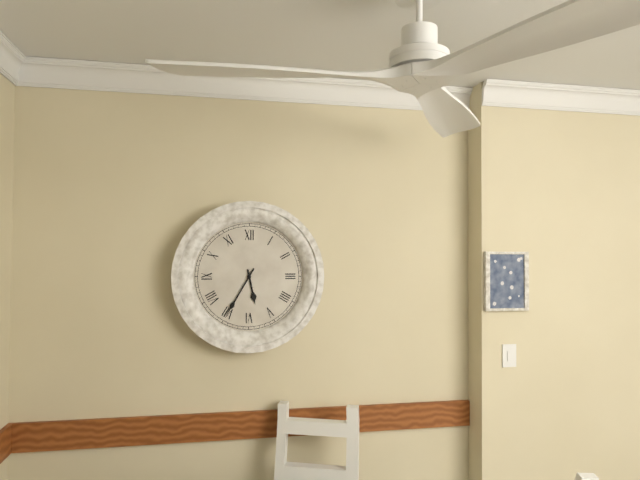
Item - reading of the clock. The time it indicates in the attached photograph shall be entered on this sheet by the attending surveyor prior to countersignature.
5:35
